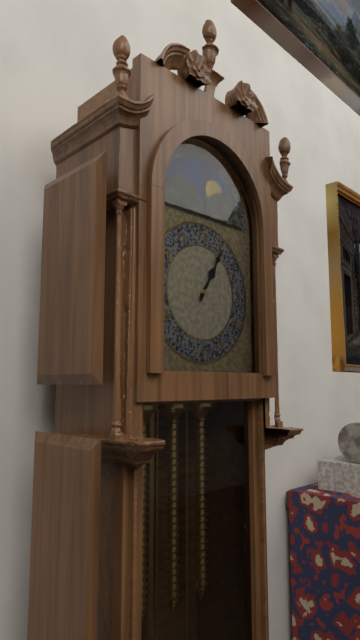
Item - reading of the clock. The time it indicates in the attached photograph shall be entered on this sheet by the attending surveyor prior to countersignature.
1:05
